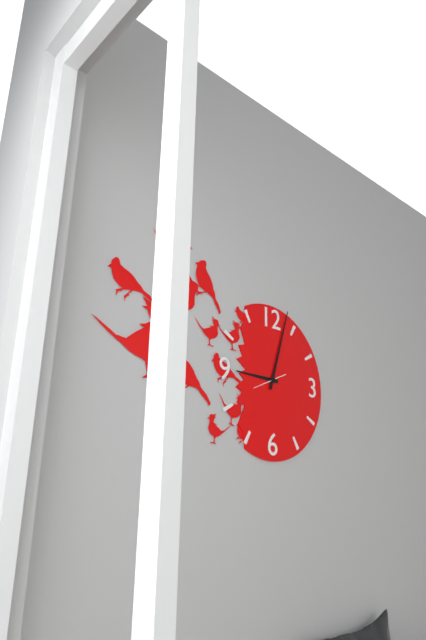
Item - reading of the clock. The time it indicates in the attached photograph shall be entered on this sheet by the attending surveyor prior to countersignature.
9:03
